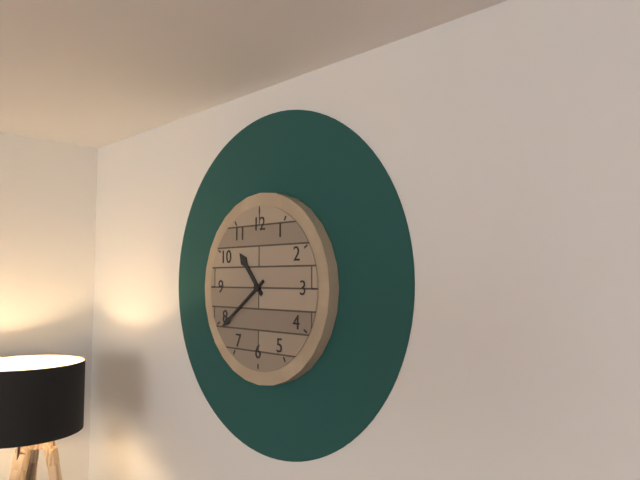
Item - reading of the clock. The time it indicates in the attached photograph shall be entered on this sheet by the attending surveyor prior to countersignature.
10:39
